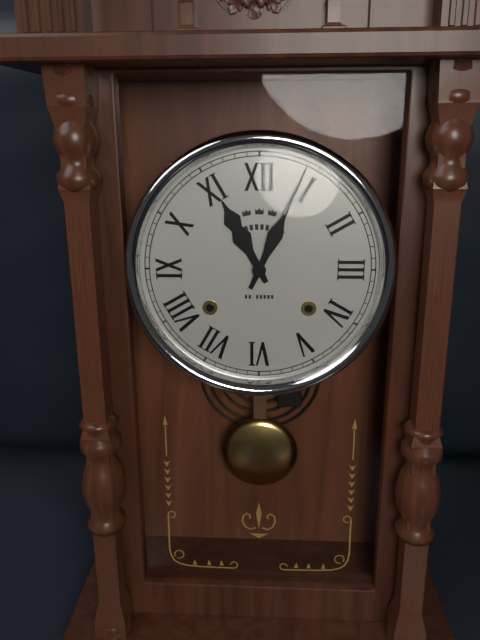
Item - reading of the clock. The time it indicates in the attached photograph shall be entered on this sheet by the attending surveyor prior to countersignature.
11:04
